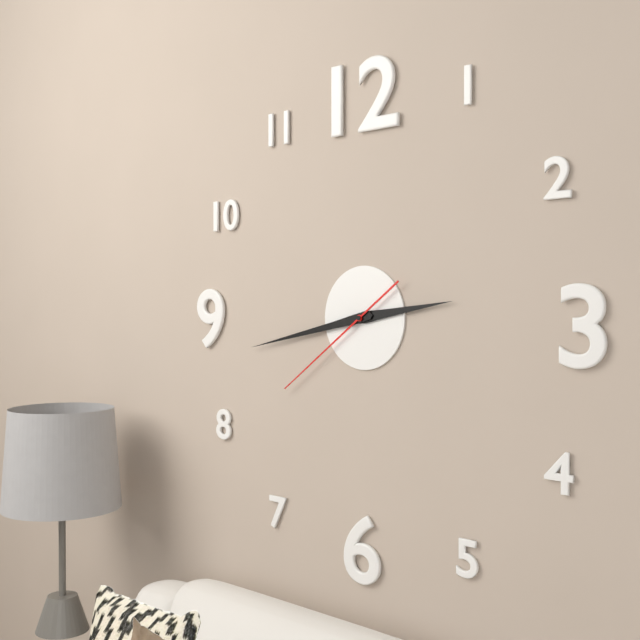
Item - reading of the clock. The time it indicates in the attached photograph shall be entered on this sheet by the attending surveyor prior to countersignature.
2:43:39
